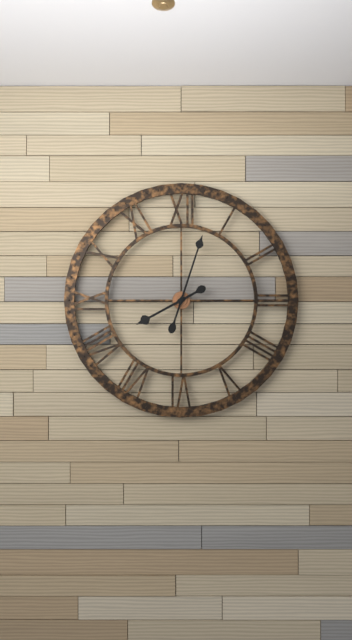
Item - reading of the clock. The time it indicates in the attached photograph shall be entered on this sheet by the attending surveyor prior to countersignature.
8:03
